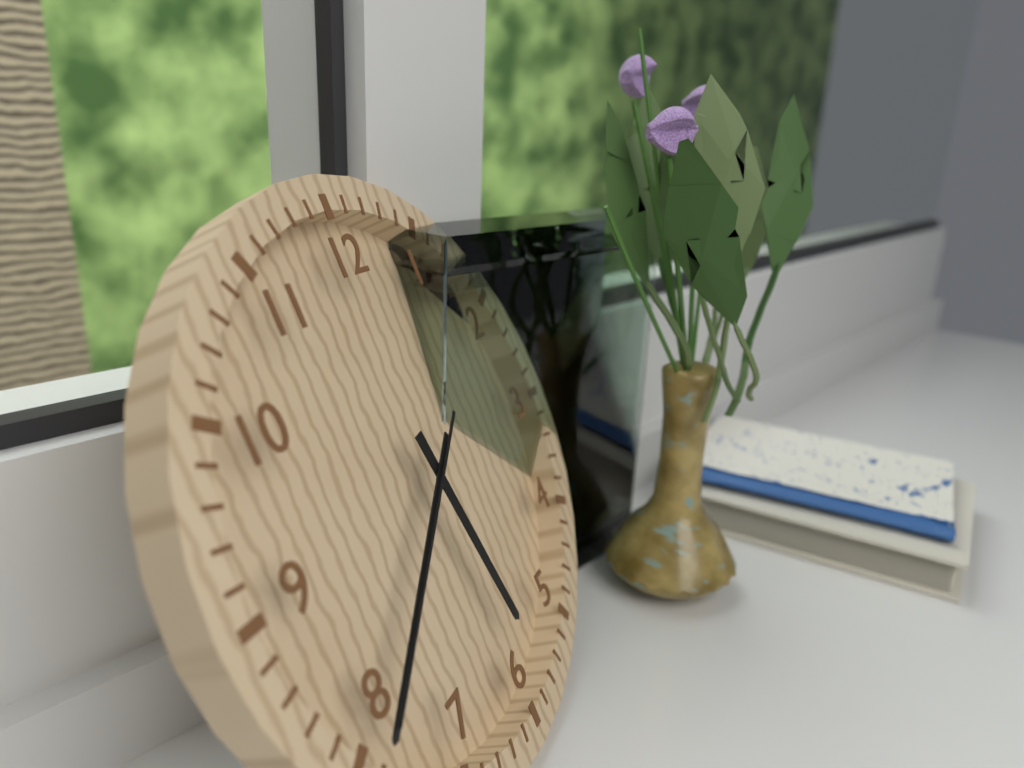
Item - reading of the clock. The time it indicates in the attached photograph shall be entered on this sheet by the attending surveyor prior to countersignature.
5:39:39
